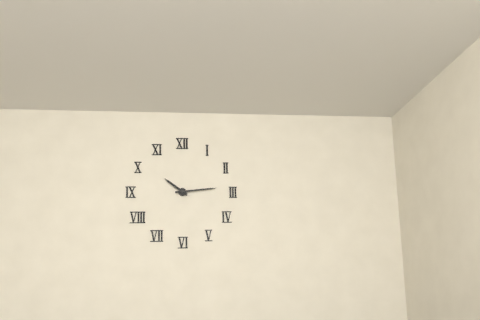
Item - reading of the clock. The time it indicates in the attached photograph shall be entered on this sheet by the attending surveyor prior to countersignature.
10:14
